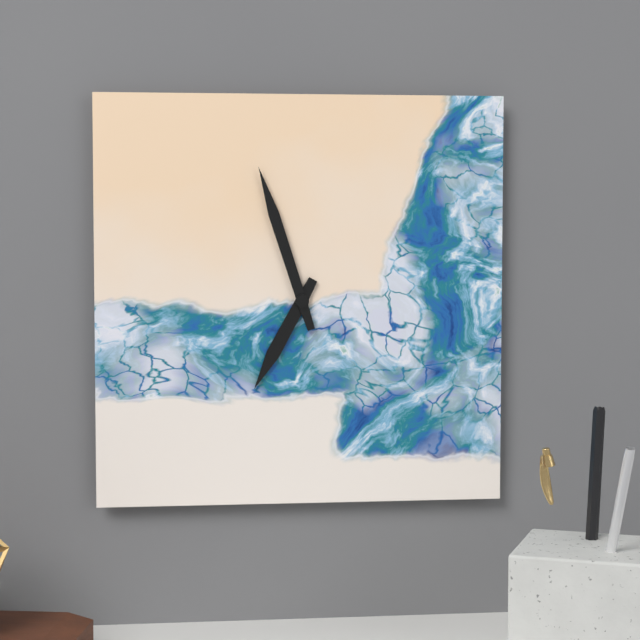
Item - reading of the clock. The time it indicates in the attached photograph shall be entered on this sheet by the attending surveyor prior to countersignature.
6:57
